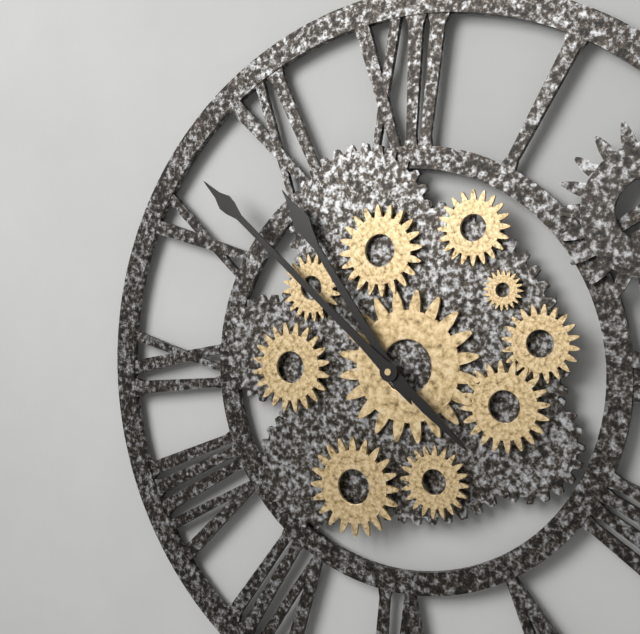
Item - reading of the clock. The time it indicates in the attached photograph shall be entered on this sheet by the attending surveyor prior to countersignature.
10:52
